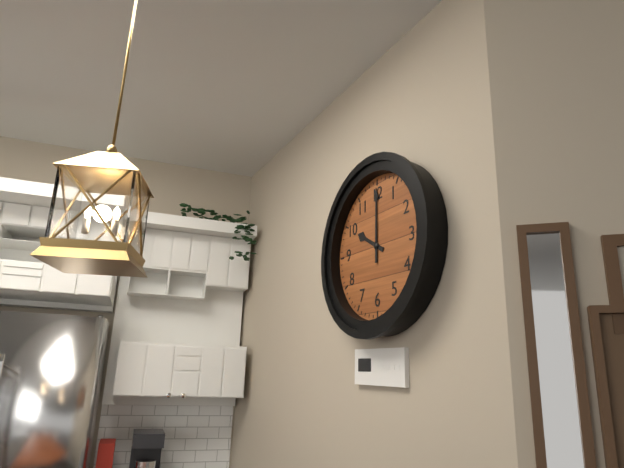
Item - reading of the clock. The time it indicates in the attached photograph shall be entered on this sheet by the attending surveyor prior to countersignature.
10:00
